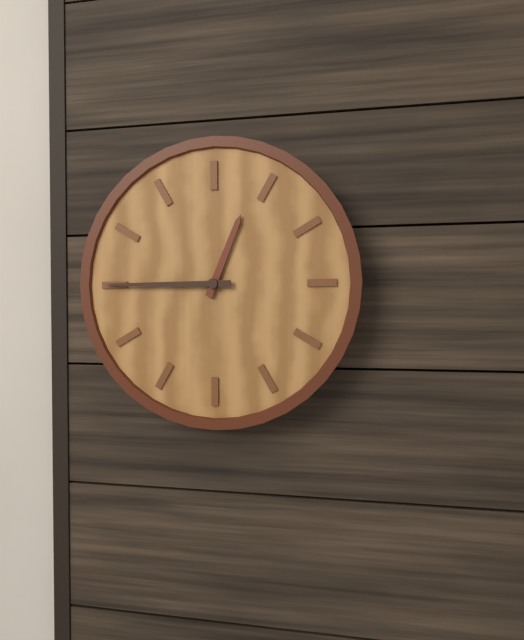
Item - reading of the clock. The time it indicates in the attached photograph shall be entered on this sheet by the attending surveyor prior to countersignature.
12:45
